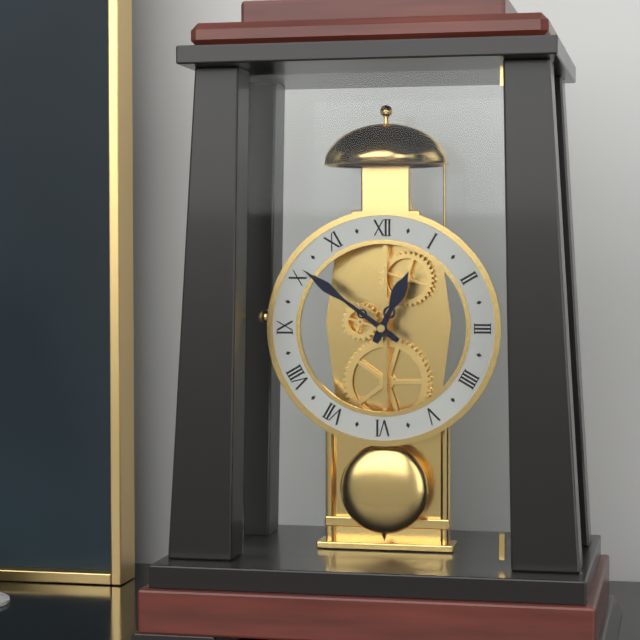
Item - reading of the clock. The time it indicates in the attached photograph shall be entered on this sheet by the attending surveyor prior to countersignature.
12:51
